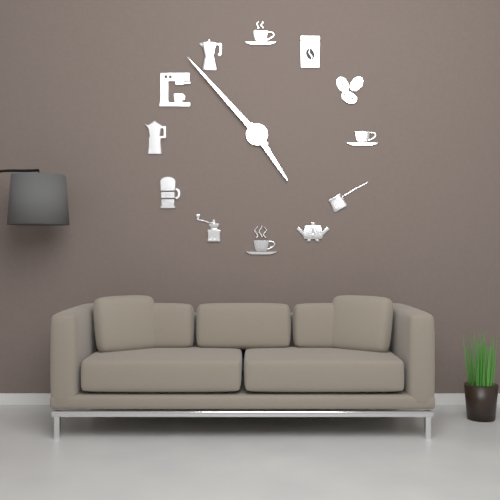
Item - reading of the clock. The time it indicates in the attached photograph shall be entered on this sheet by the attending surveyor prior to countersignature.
4:53
